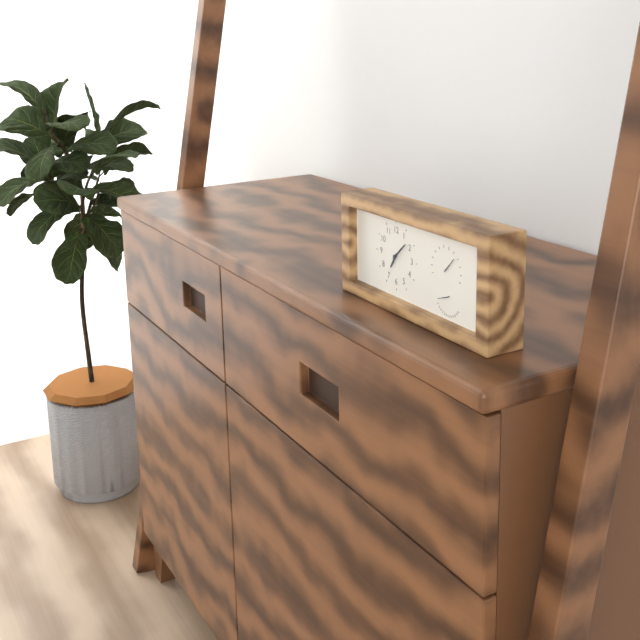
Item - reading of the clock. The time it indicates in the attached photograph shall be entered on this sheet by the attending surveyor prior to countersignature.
7:08
